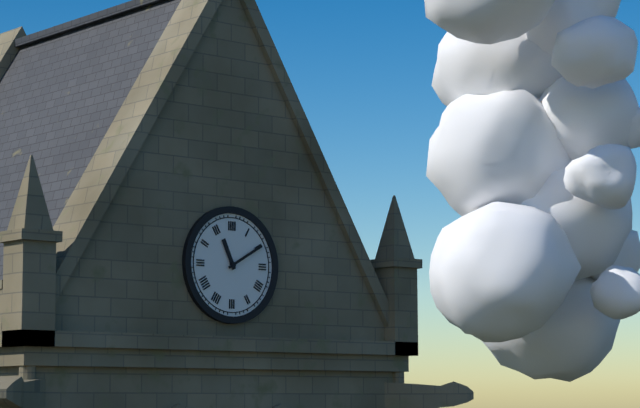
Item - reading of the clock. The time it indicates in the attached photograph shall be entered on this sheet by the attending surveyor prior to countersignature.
11:10
